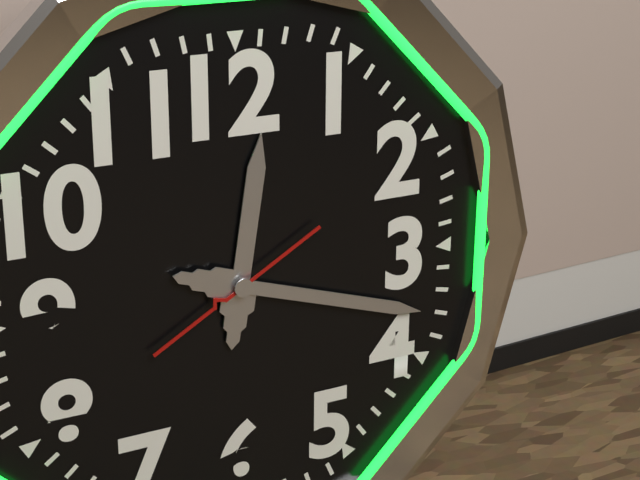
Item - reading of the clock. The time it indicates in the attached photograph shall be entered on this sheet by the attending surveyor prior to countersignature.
12:18:40
